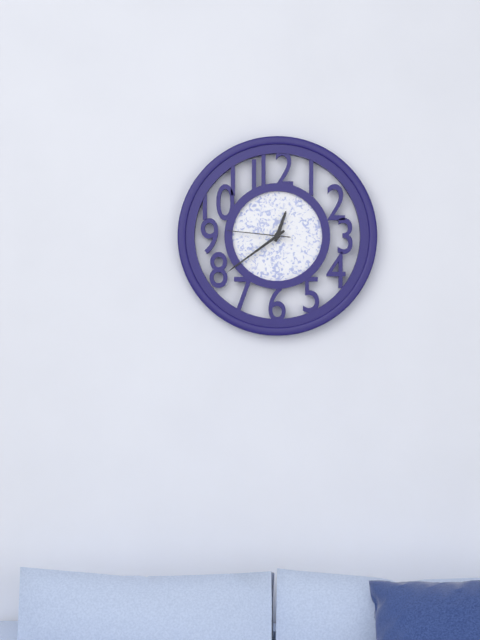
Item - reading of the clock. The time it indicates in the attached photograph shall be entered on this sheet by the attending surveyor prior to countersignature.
12:39:46
